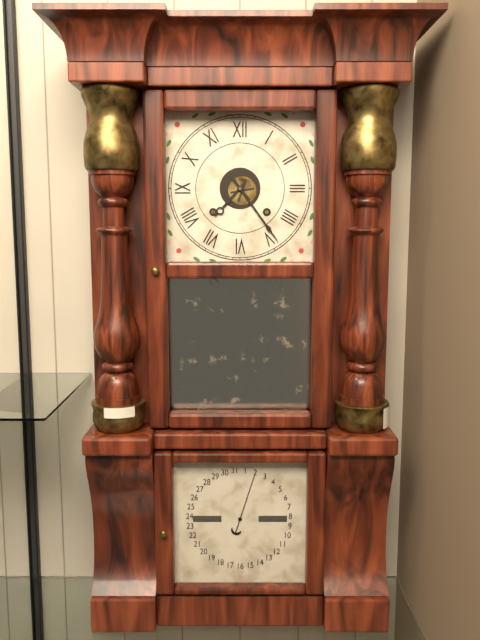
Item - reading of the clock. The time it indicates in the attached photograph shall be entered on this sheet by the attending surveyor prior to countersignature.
7:24
